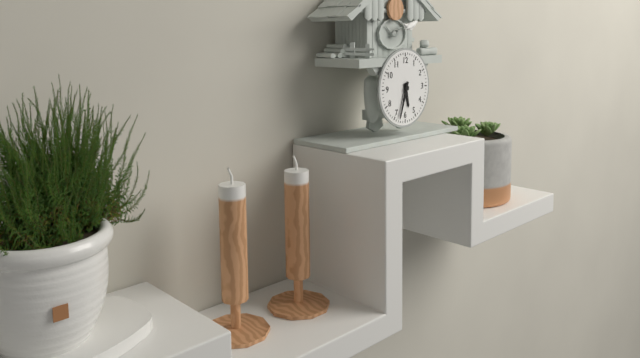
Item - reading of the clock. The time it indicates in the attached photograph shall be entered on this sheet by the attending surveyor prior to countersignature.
5:33
